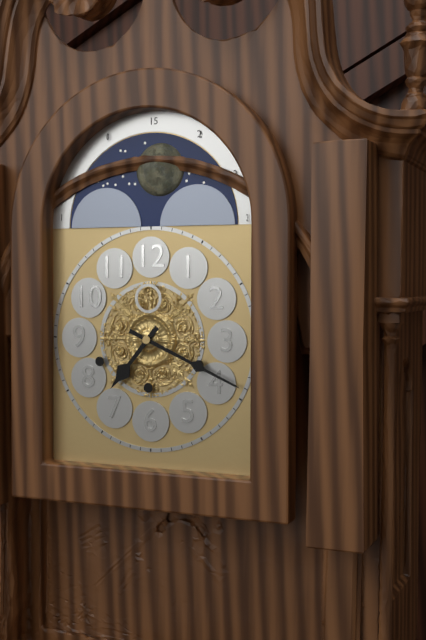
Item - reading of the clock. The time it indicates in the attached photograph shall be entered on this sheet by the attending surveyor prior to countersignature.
7:19
